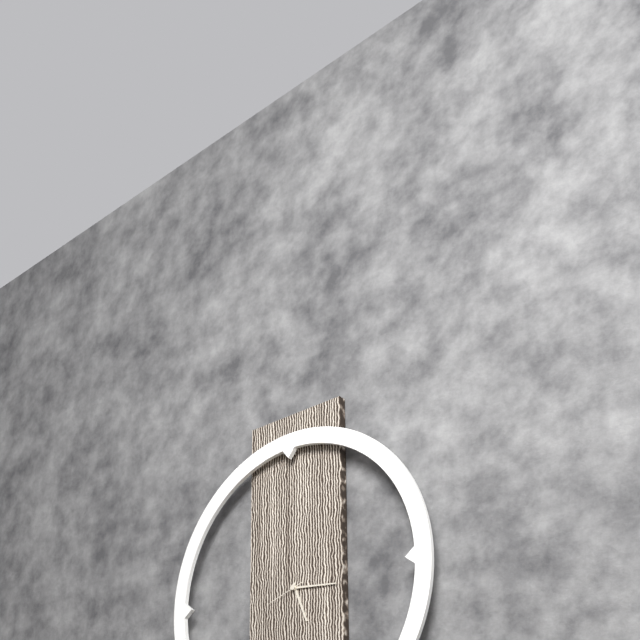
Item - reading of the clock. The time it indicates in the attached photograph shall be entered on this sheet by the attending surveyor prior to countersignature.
5:16
